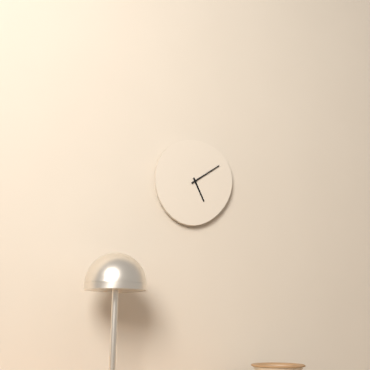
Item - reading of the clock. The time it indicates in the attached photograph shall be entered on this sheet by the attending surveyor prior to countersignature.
5:09
